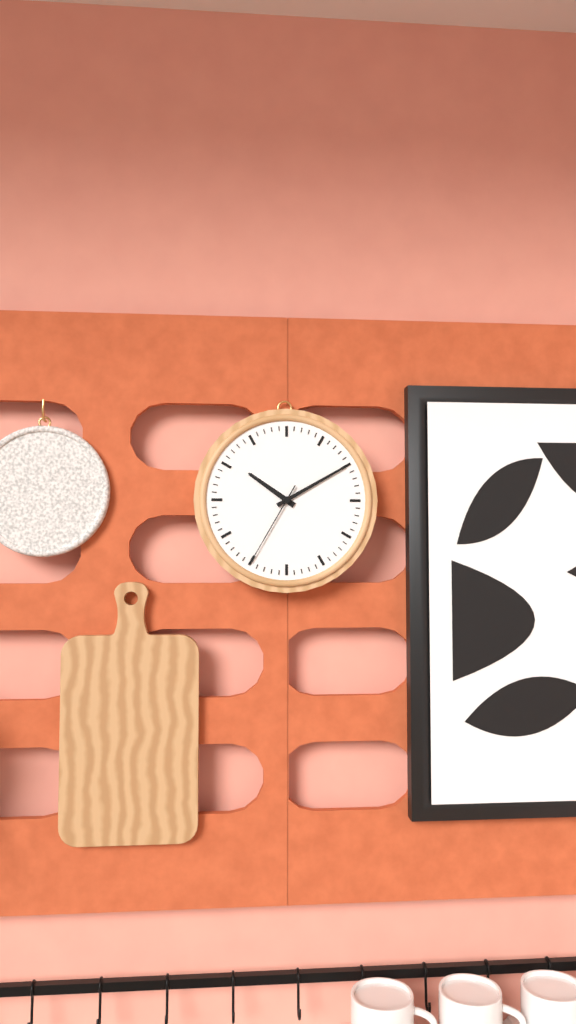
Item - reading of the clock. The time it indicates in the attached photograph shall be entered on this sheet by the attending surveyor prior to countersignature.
10:10:35
